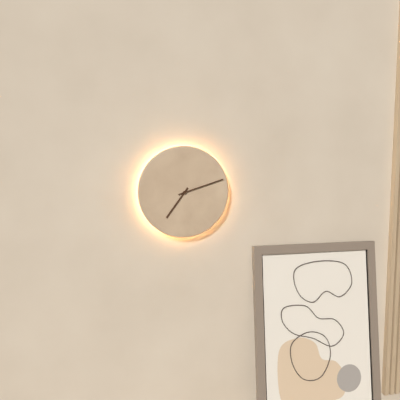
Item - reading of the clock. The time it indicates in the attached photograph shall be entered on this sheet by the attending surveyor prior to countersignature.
7:12
